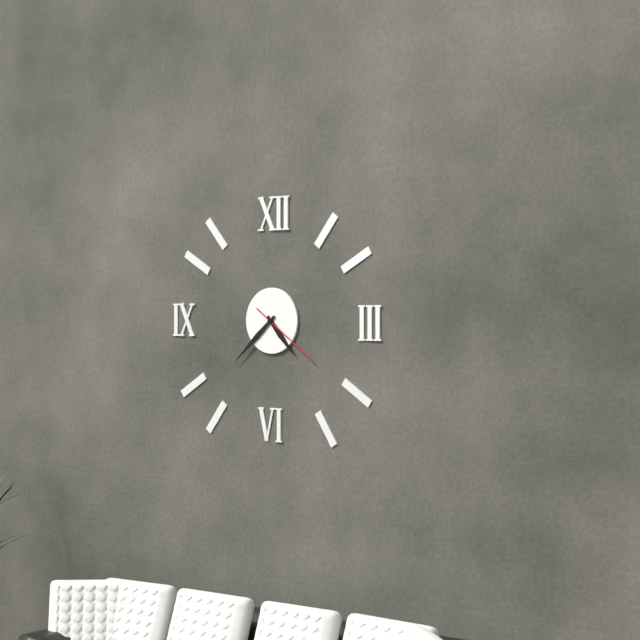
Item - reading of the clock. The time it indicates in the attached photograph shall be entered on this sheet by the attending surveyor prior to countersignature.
4:38:21
